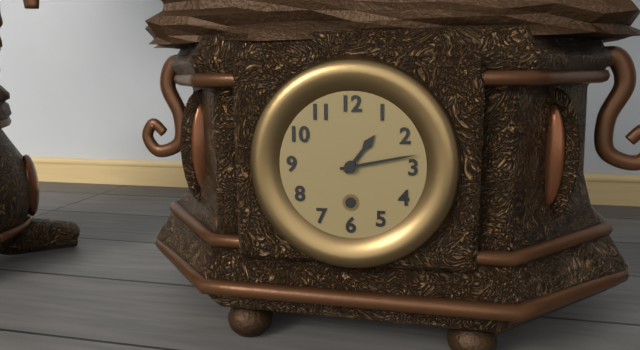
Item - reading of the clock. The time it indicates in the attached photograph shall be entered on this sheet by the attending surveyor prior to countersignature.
1:13
